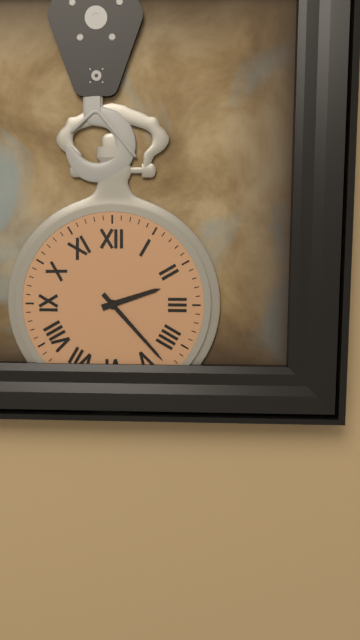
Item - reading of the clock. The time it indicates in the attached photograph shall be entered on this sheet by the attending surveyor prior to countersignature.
2:23
